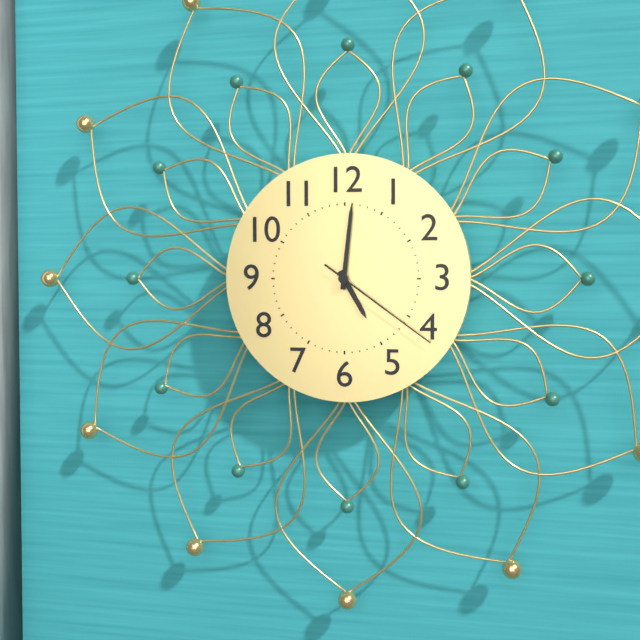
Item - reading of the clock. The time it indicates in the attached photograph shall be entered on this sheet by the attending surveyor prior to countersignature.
5:01:21
